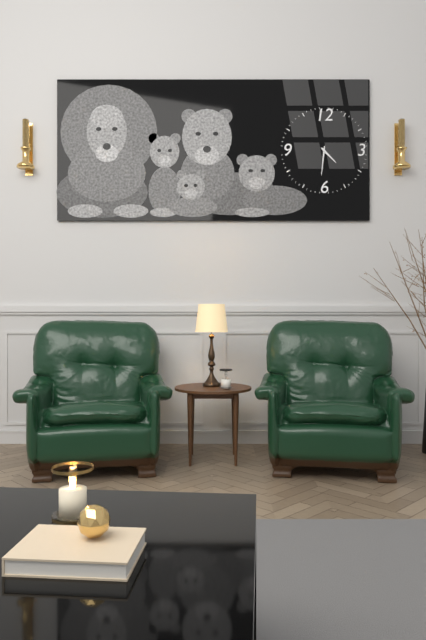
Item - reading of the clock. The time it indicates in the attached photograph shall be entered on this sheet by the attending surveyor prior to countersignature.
4:31
